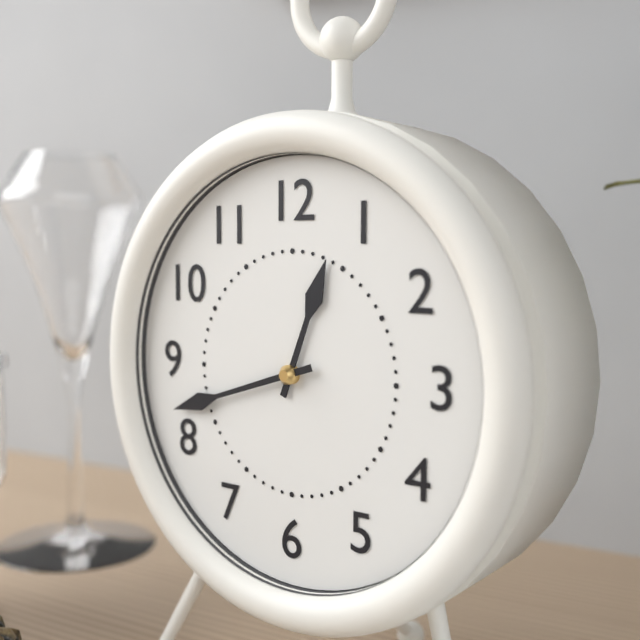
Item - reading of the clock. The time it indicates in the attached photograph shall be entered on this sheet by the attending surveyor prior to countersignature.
12:42
